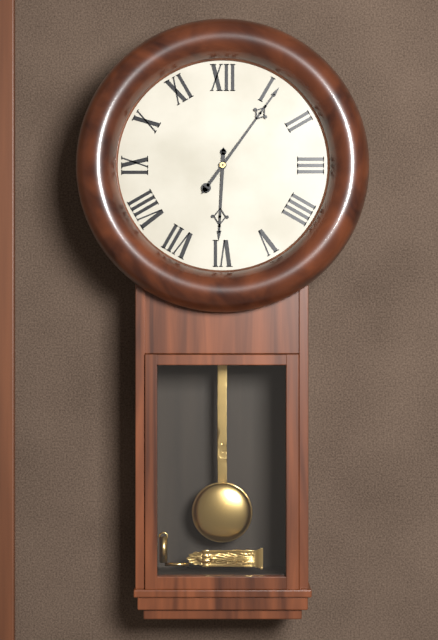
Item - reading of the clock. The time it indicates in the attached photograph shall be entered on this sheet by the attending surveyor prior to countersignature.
6:06
